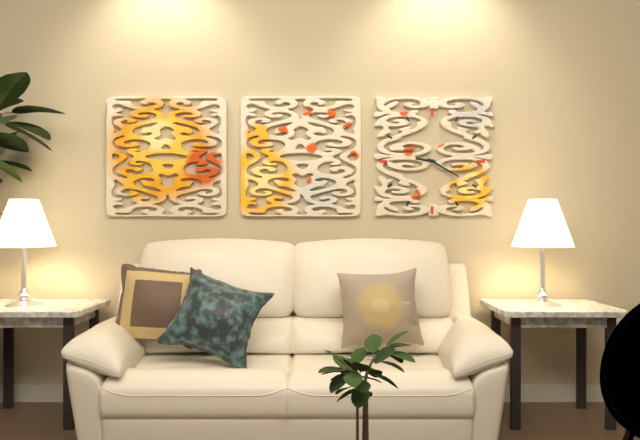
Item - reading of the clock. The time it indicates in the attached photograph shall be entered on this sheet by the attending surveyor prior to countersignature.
9:20
